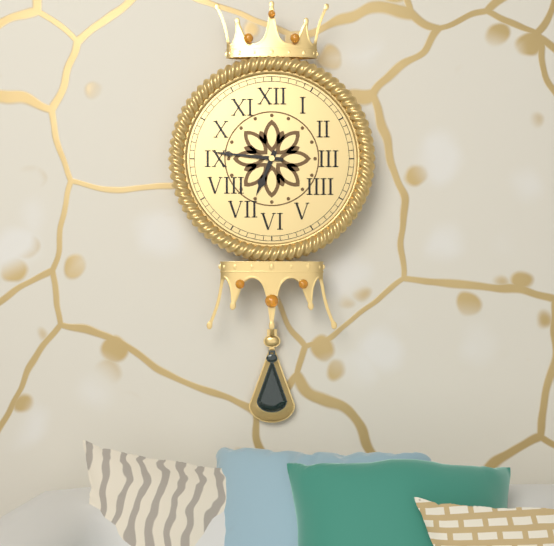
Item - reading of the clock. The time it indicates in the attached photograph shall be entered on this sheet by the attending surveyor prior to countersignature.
6:46
